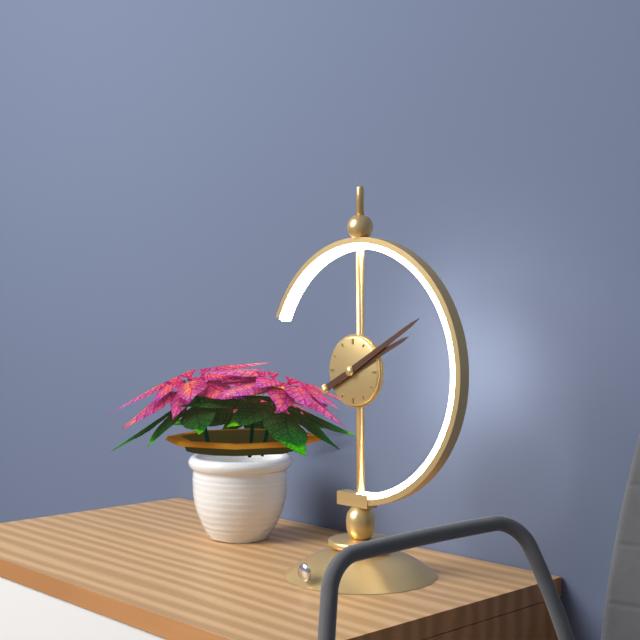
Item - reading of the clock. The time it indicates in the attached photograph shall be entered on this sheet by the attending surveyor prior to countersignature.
2:10
